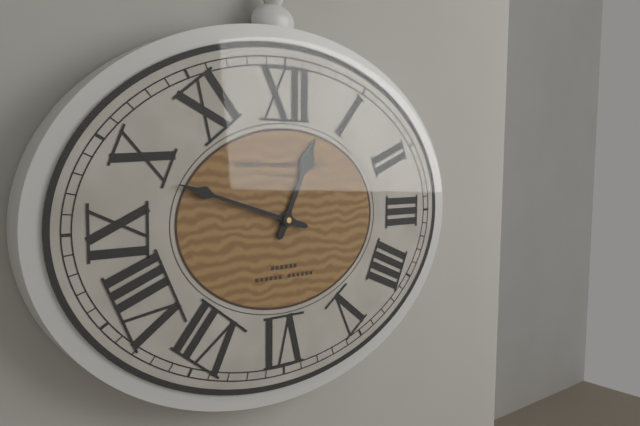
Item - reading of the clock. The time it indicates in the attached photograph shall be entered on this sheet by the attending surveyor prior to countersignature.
12:48
